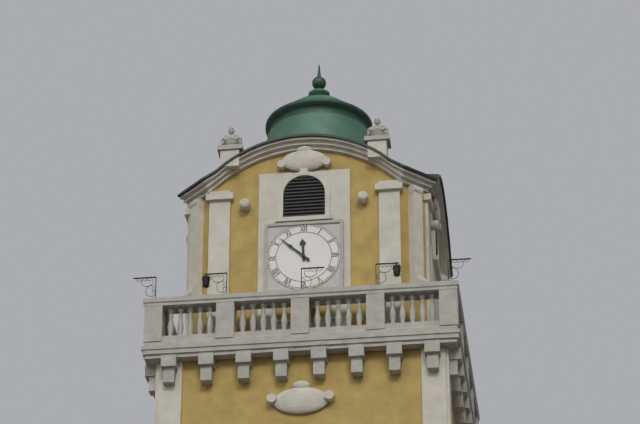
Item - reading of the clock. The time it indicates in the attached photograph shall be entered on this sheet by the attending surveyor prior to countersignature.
11:52
